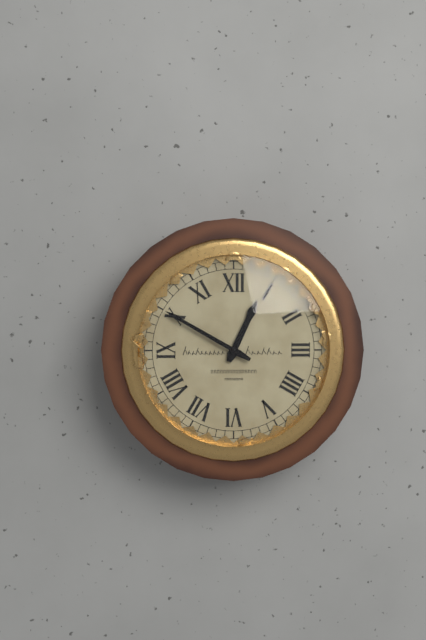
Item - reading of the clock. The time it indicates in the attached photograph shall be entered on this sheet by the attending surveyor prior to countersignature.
12:50
